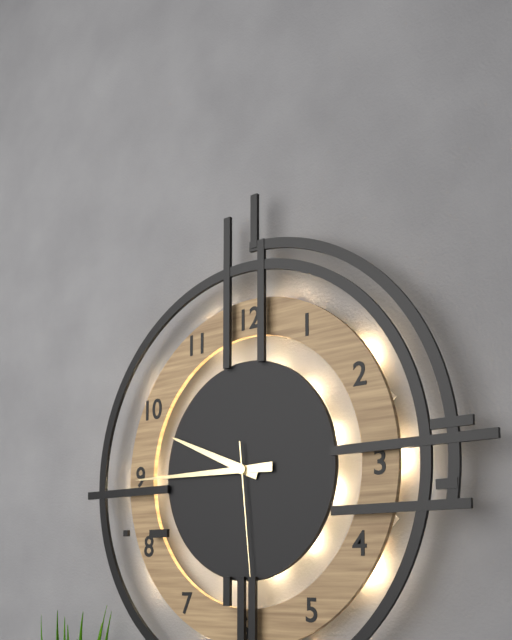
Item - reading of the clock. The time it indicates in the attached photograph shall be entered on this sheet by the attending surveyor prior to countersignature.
9:45:29
